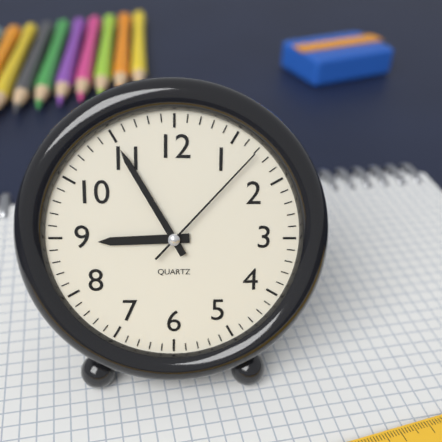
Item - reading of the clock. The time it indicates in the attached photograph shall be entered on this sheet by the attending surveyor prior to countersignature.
8:55:07
